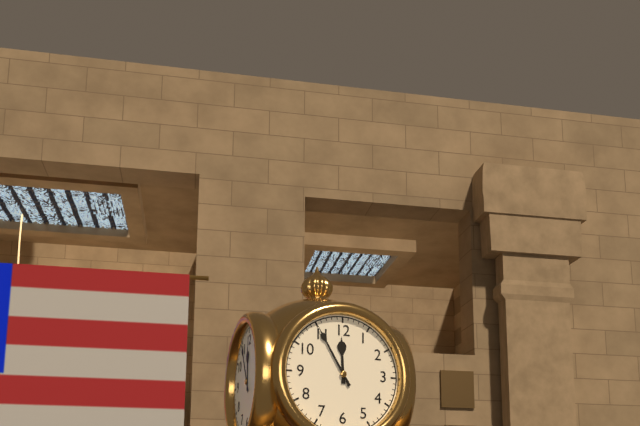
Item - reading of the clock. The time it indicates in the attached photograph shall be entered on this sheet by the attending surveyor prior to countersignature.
11:55
